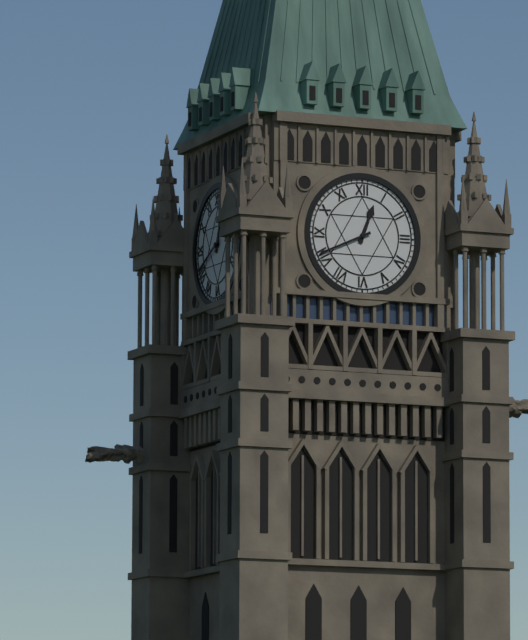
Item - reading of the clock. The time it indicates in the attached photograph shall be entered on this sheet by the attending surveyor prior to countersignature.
12:41
